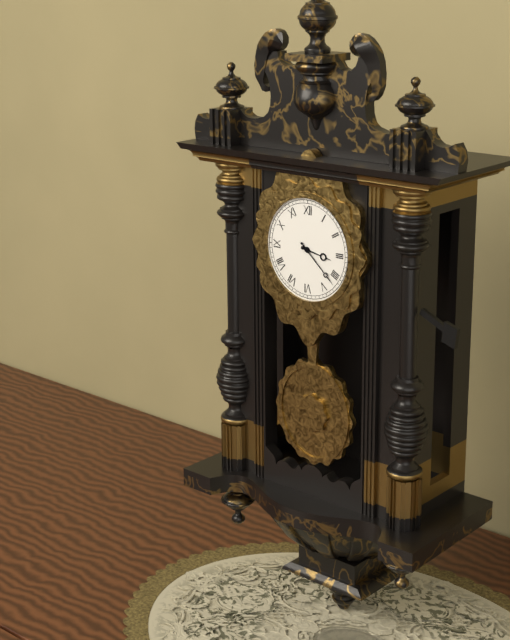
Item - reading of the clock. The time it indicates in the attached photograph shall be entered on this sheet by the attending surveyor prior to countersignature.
3:22
